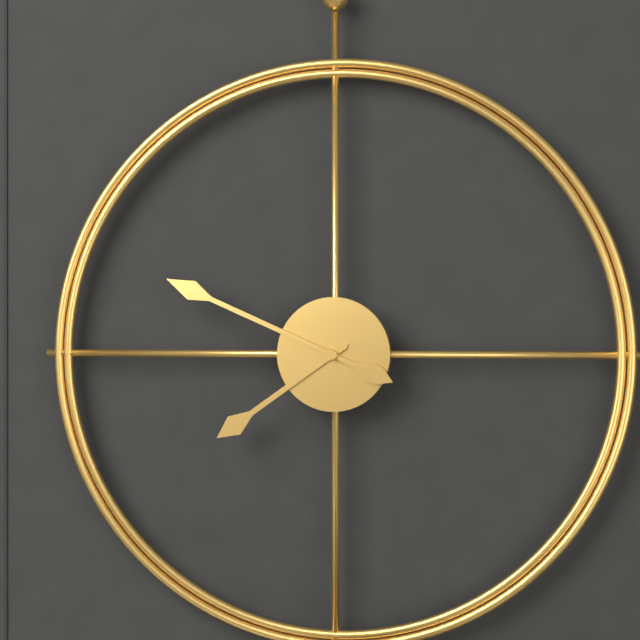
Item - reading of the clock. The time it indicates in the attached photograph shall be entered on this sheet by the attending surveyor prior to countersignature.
7:49
